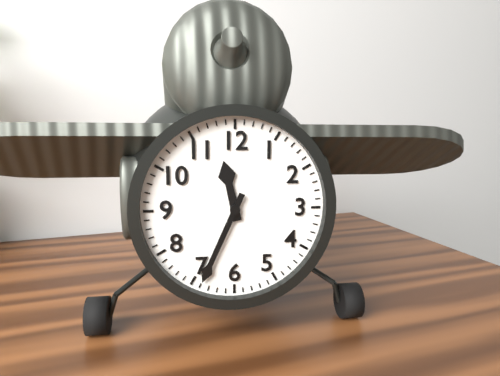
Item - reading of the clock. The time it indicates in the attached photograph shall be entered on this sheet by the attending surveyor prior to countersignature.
11:34
